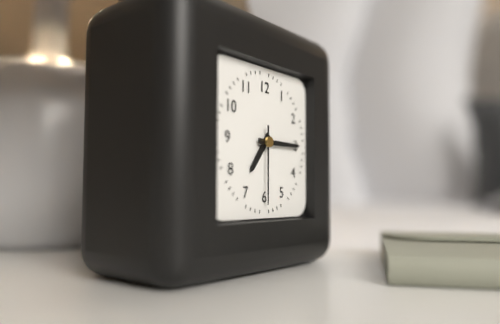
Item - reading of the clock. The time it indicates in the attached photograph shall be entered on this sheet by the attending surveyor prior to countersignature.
7:15:30
